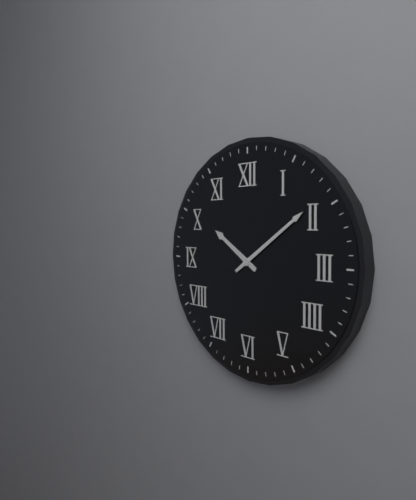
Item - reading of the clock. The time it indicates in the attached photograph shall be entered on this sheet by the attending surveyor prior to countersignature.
10:09
